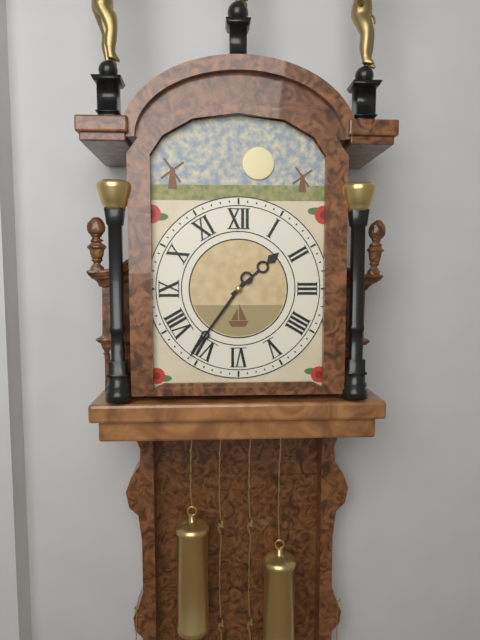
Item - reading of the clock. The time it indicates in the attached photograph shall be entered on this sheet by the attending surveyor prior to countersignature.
1:36
